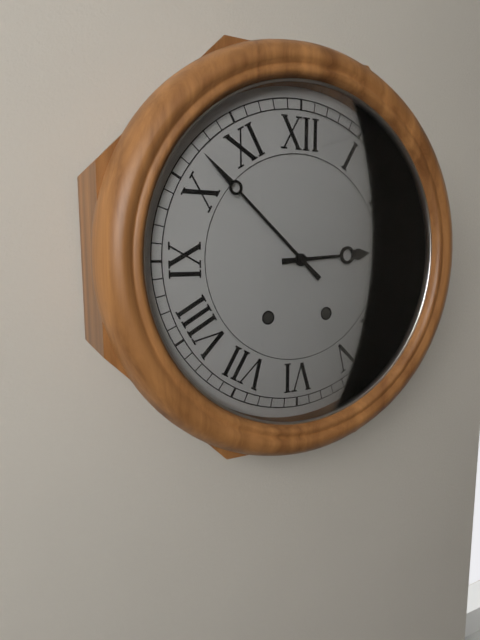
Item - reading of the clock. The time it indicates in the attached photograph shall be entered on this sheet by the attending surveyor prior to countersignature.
2:52
